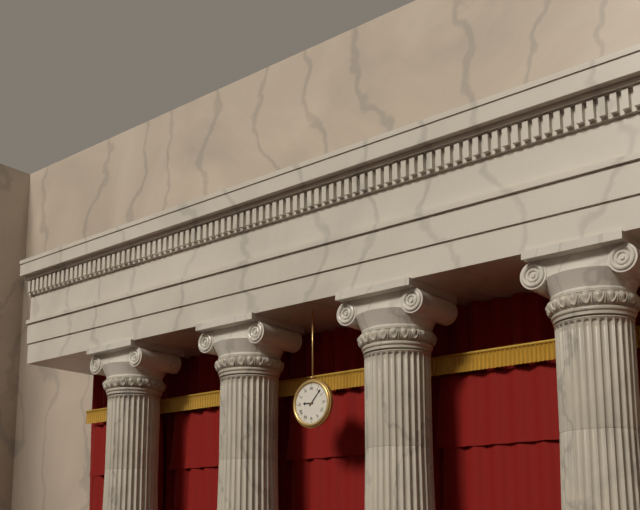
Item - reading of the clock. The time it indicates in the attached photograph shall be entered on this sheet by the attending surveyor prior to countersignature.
9:07
